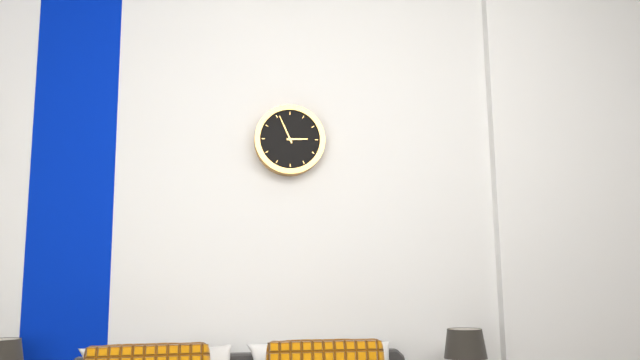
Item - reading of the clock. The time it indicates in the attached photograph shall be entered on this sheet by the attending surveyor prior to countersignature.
2:56
